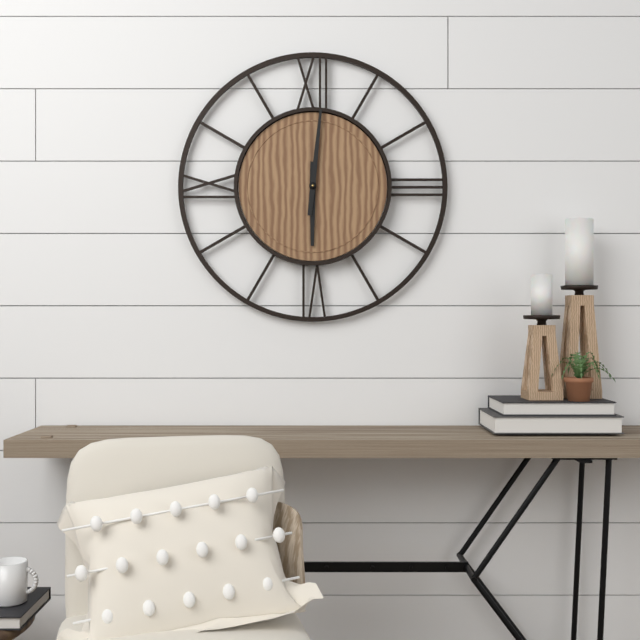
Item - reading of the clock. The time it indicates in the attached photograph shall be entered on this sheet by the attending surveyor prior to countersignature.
6:01
